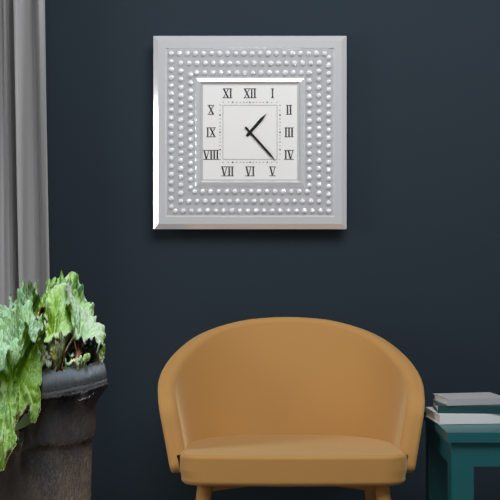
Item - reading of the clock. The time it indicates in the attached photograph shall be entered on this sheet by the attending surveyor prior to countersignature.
1:23
